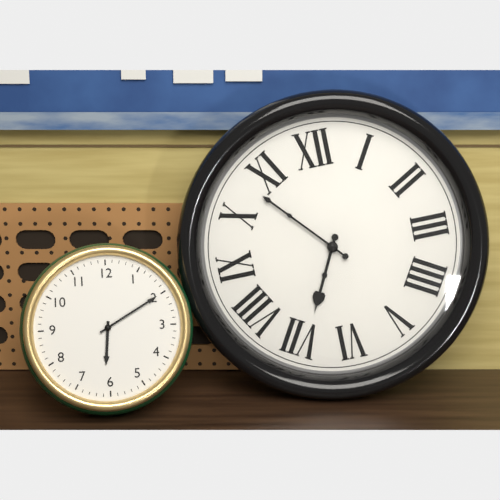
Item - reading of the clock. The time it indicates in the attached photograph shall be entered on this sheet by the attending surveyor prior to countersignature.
6:53
